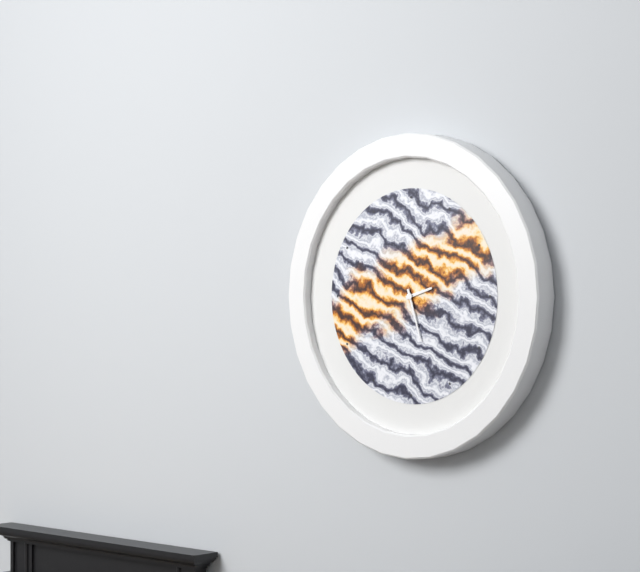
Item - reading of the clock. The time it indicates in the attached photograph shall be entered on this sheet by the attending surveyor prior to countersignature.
2:27
